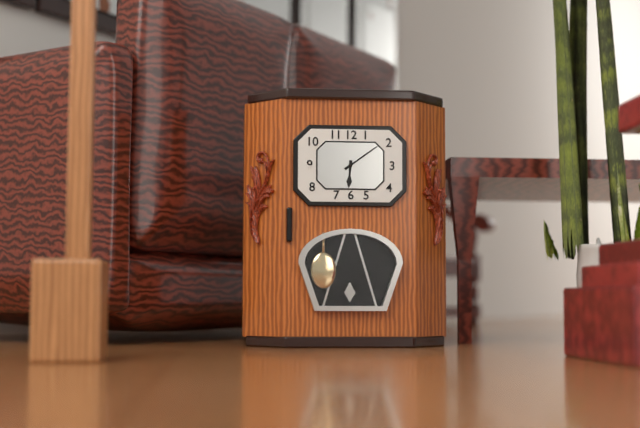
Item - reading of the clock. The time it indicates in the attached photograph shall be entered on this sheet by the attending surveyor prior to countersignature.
6:09
